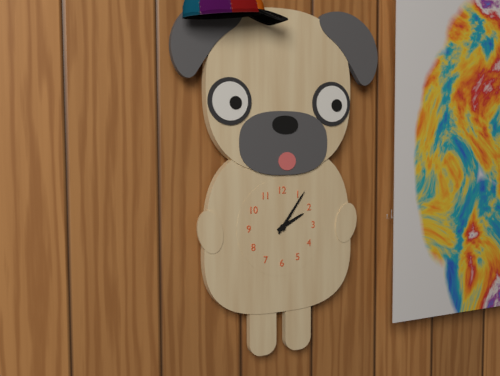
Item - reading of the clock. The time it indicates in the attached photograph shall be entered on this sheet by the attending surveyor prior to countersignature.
2:06
